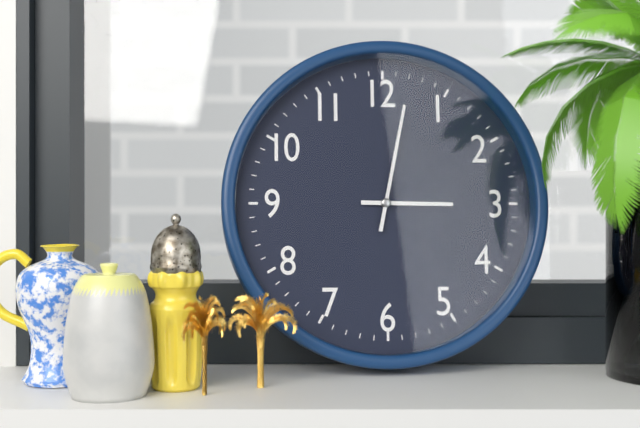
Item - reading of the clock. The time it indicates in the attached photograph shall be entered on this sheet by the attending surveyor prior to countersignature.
3:02
